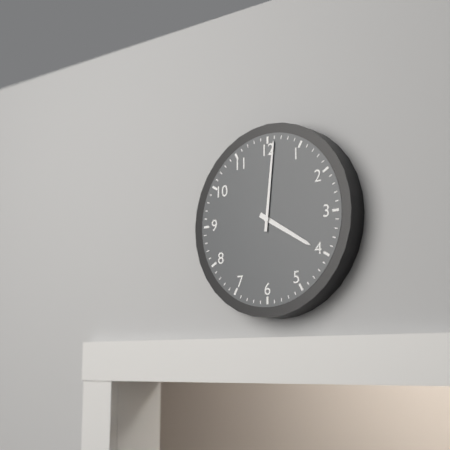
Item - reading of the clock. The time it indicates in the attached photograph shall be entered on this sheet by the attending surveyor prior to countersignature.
4:01
